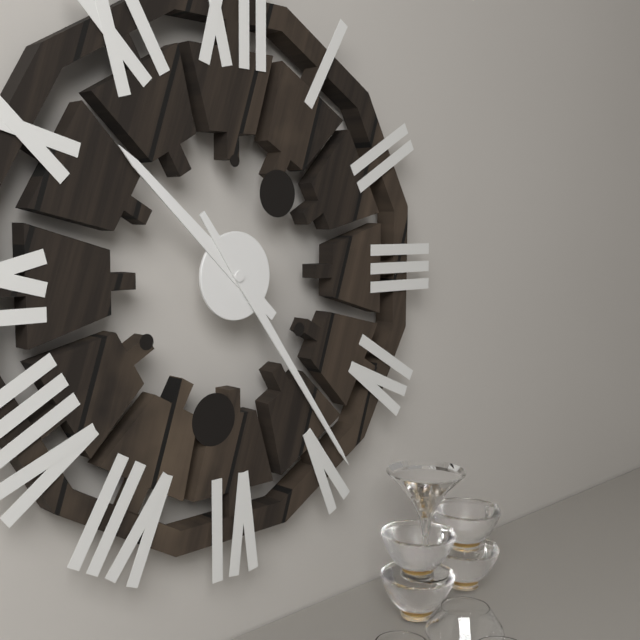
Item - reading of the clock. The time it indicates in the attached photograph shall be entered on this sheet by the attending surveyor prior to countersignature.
10:24
